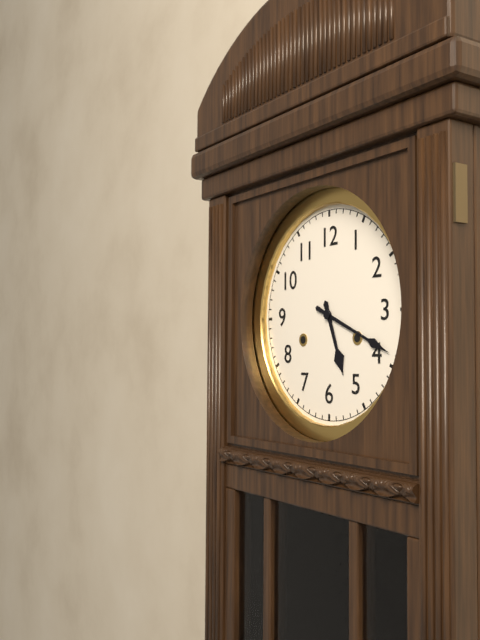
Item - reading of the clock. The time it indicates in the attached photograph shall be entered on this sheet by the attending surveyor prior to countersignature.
5:19
